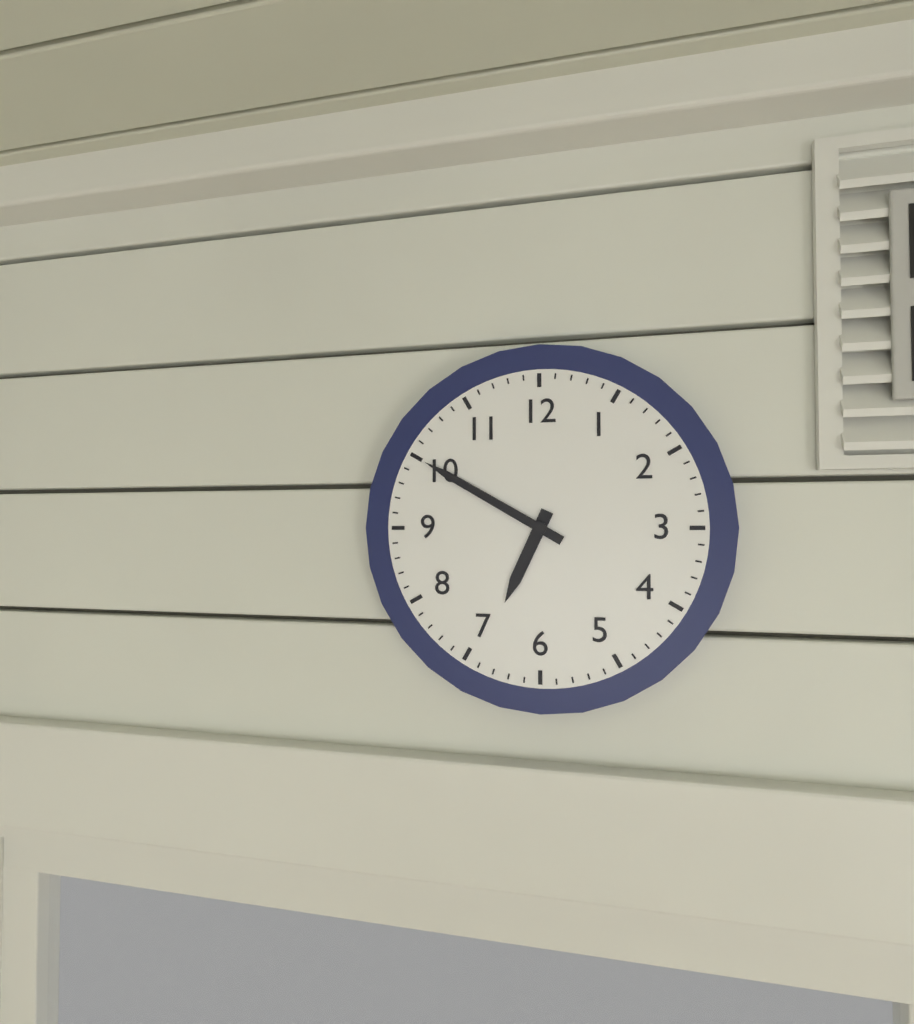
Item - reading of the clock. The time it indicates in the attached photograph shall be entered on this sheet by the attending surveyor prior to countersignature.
6:50
